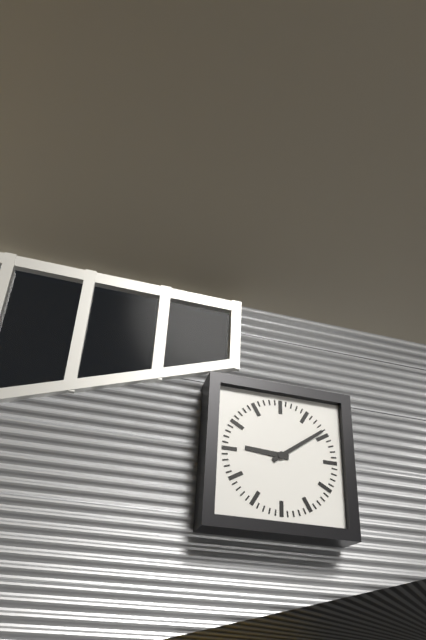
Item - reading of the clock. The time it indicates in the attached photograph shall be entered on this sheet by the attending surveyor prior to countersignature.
9:09
